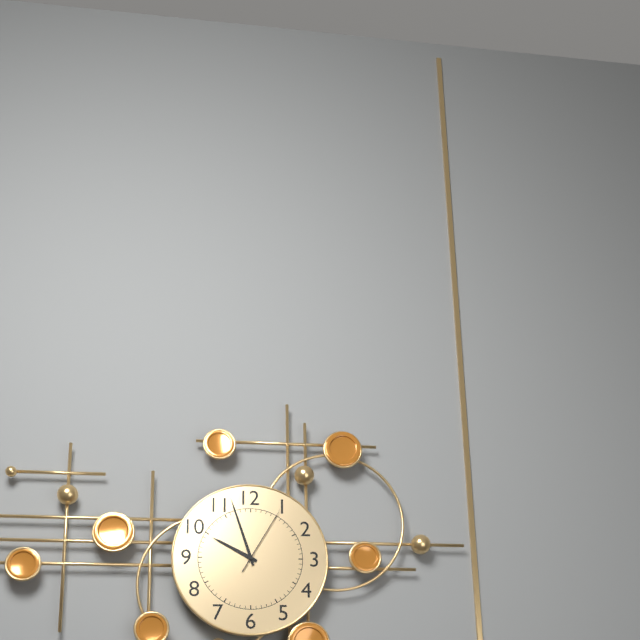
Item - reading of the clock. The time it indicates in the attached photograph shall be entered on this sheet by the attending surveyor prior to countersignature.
9:57:05
